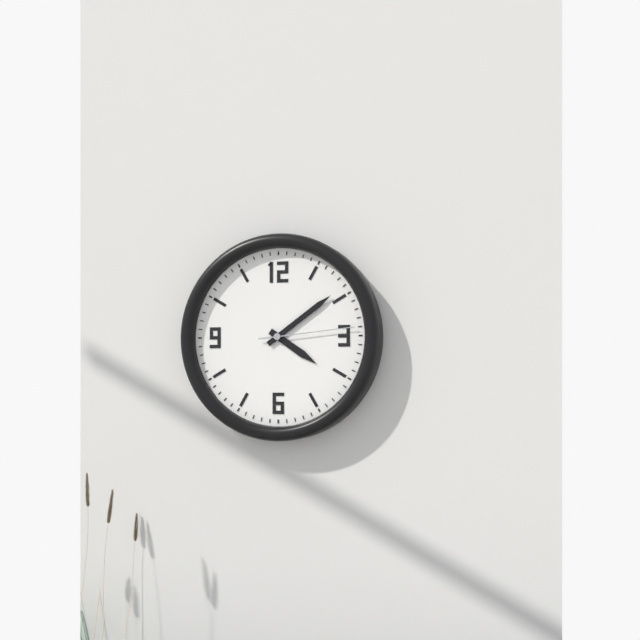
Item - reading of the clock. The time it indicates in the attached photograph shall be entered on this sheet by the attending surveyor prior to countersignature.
4:09:14
